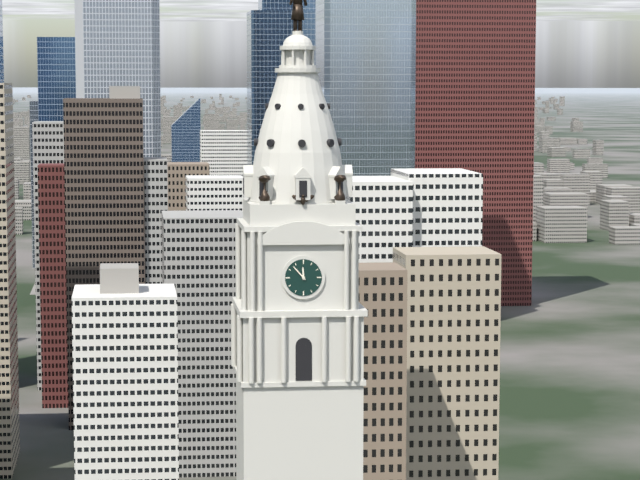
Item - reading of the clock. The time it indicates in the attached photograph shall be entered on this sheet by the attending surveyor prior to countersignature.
11:53
